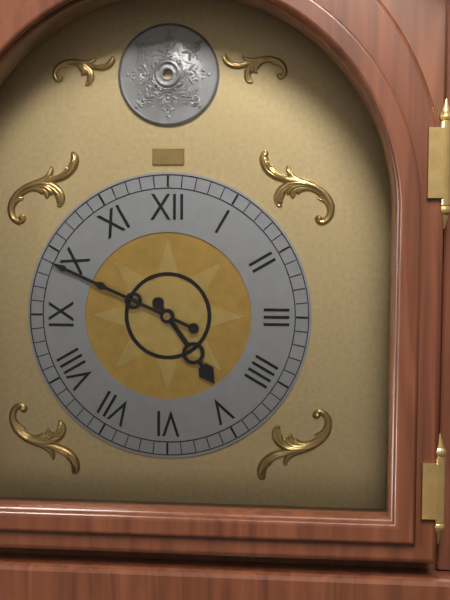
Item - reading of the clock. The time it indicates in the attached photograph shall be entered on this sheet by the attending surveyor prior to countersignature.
4:49
